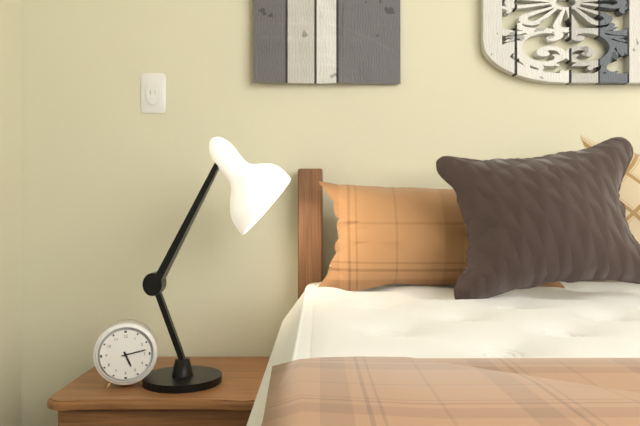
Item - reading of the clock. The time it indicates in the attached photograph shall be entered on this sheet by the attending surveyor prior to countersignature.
5:13
